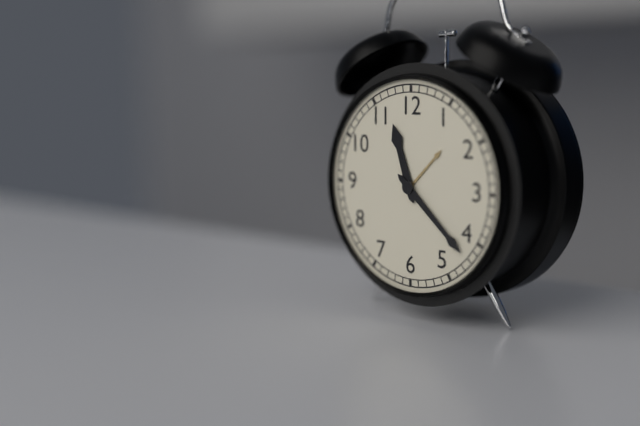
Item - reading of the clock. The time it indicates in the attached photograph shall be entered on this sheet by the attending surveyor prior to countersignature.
11:22
